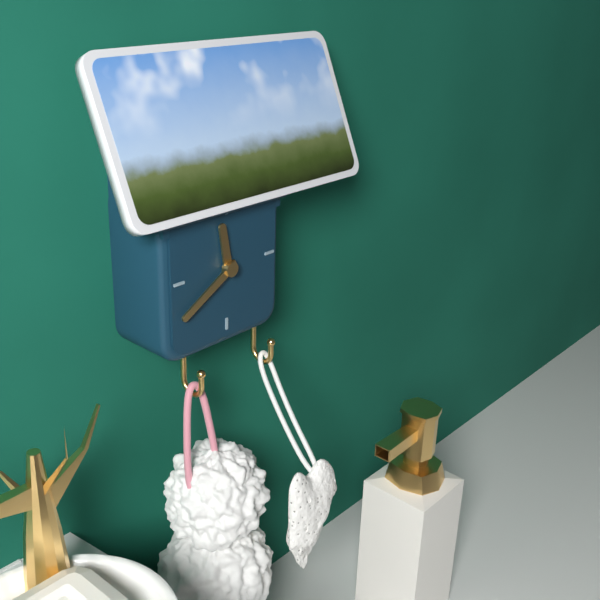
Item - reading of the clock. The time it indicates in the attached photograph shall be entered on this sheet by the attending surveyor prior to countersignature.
11:40
